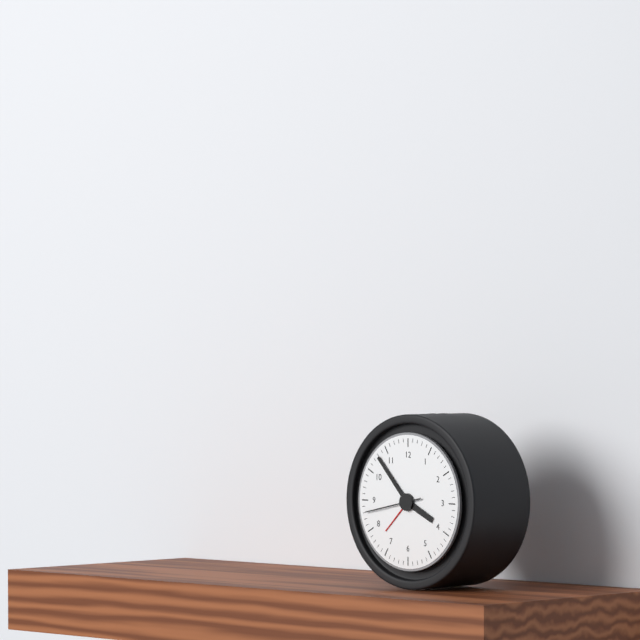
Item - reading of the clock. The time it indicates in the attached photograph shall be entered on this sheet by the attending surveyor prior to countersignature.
3:53:43
